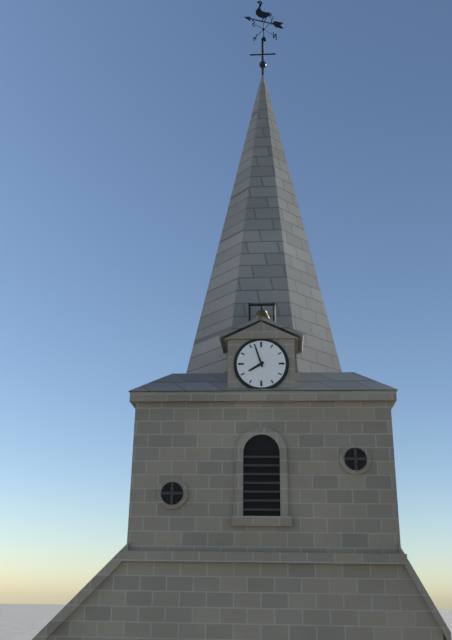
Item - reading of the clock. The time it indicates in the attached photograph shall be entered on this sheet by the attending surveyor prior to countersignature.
7:57
